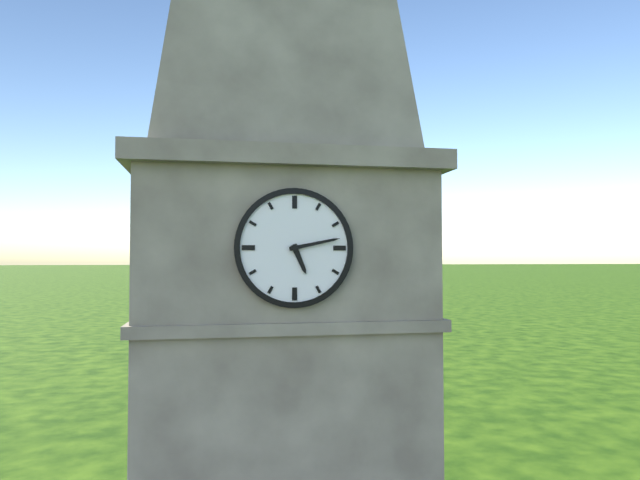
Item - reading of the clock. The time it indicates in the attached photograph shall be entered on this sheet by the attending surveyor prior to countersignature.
5:13
